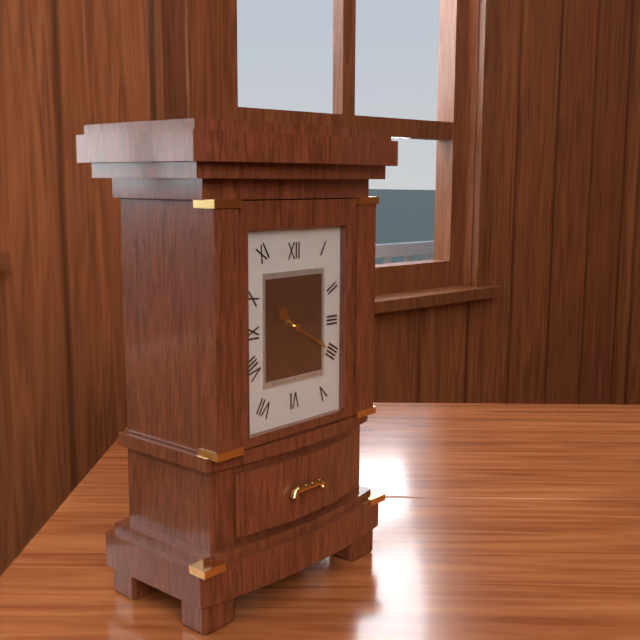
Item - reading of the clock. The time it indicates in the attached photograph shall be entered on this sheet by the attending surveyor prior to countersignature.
10:20
